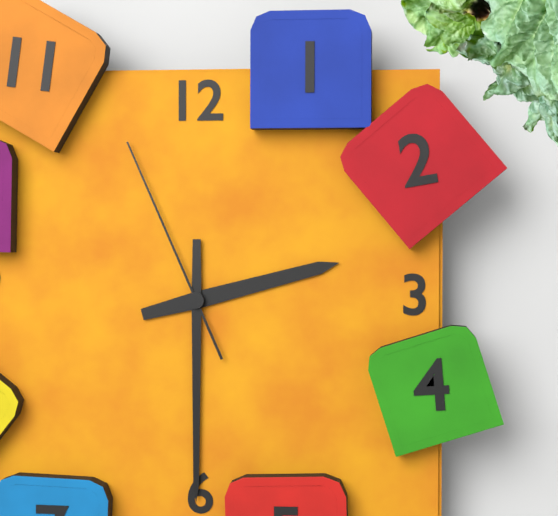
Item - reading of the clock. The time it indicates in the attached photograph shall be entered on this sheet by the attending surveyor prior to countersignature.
2:30:56
